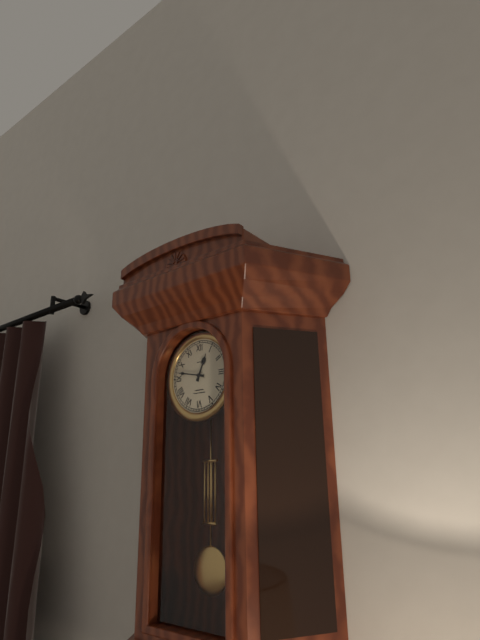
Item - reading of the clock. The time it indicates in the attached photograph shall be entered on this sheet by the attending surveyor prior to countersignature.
12:47
